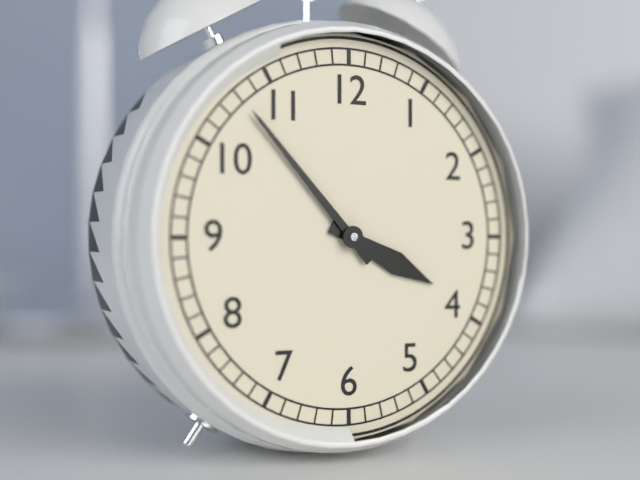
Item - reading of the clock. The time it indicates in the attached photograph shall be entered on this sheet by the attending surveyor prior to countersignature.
3:53
